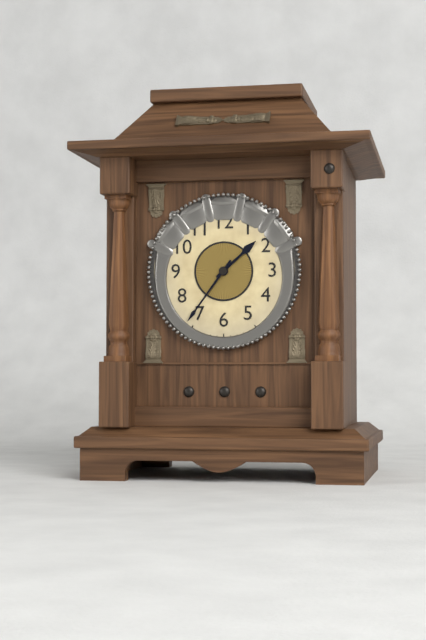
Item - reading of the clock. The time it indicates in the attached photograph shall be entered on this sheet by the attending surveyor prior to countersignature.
1:36
